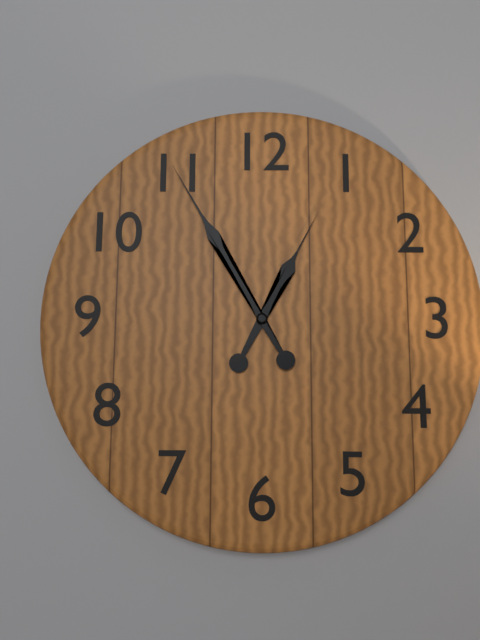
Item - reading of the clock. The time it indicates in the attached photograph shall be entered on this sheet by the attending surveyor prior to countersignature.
12:55
